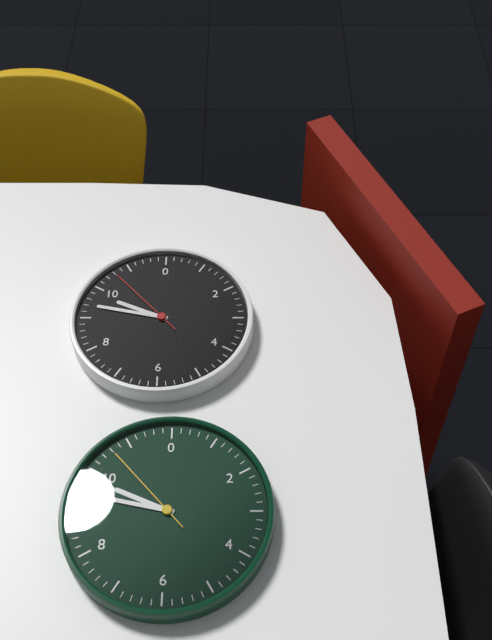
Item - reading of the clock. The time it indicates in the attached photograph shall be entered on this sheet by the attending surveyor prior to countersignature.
9:47:53
